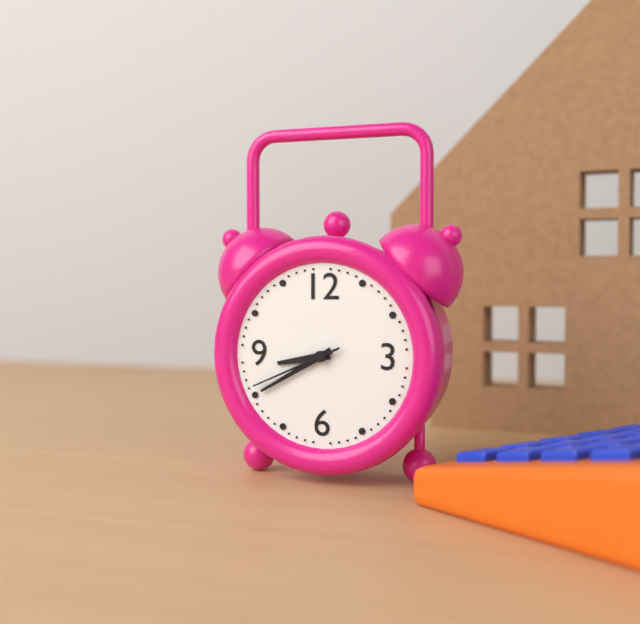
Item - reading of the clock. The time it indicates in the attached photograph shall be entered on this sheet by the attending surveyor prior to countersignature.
8:40:41
